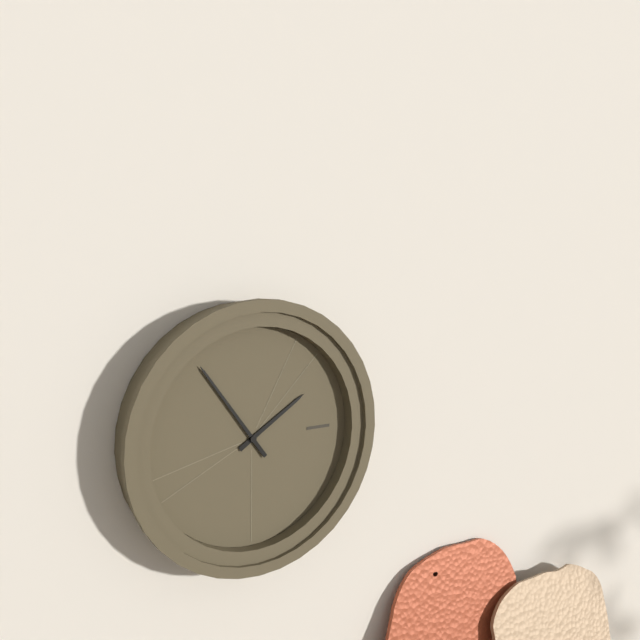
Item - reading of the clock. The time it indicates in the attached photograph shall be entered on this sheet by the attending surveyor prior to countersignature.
1:54
